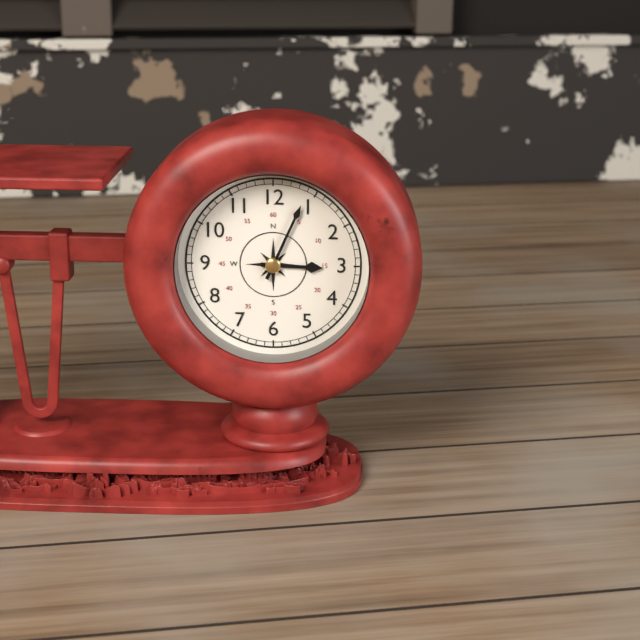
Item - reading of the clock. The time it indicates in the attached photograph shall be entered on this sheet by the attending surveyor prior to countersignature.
3:04
